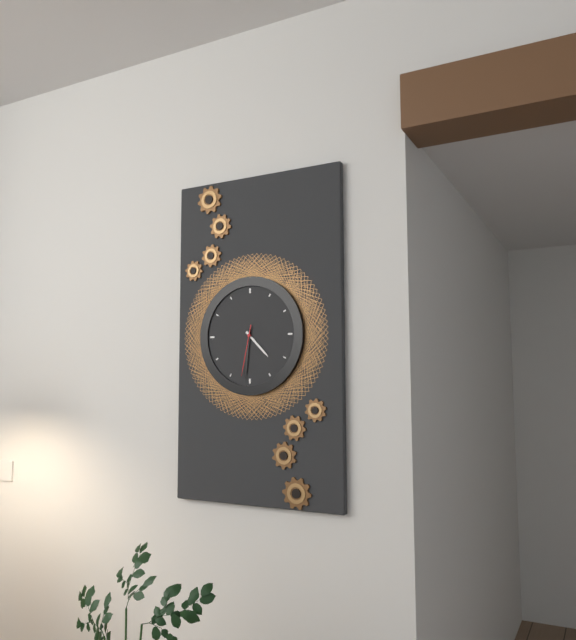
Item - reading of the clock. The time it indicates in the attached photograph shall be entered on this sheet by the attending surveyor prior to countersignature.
4:31:32
